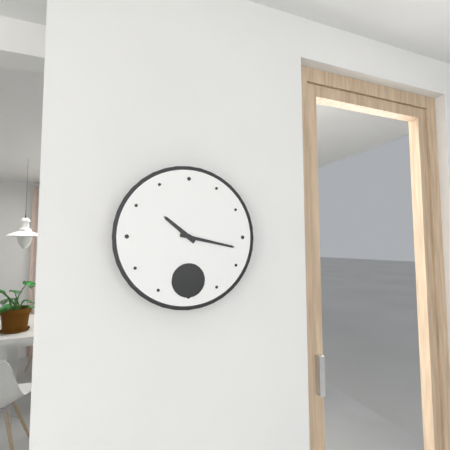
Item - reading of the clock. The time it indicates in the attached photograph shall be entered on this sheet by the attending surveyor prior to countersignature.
10:17
